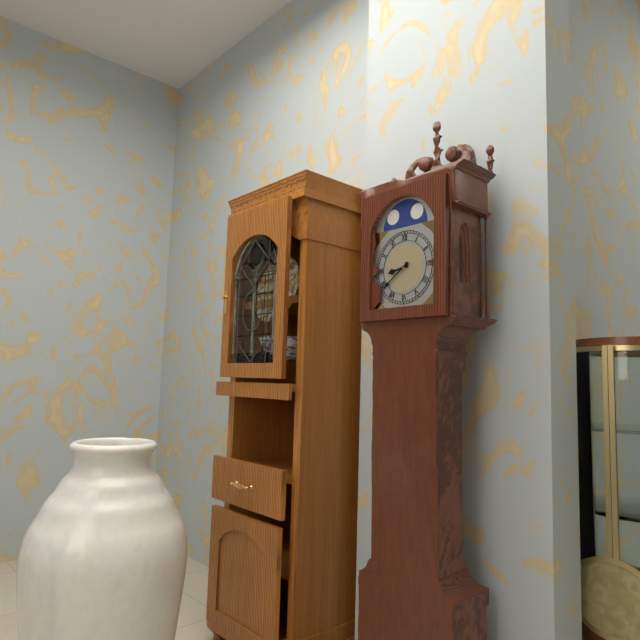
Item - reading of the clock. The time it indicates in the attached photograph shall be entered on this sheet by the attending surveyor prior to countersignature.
8:39
